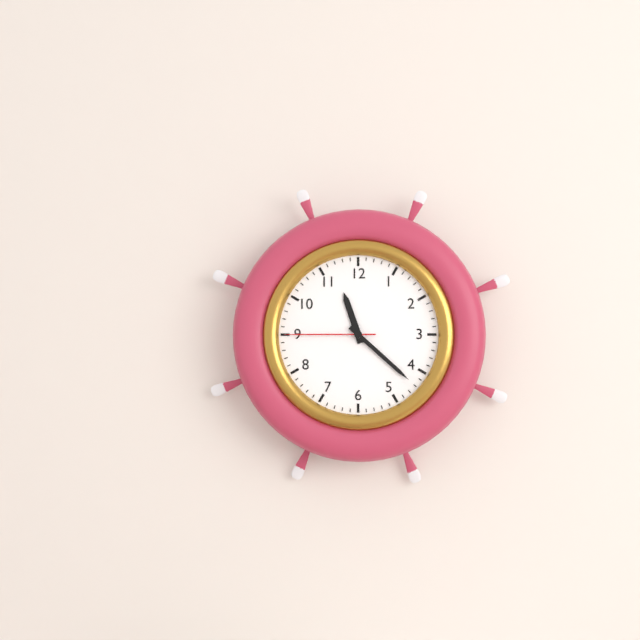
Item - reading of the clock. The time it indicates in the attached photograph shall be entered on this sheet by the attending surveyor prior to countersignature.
11:22:45
